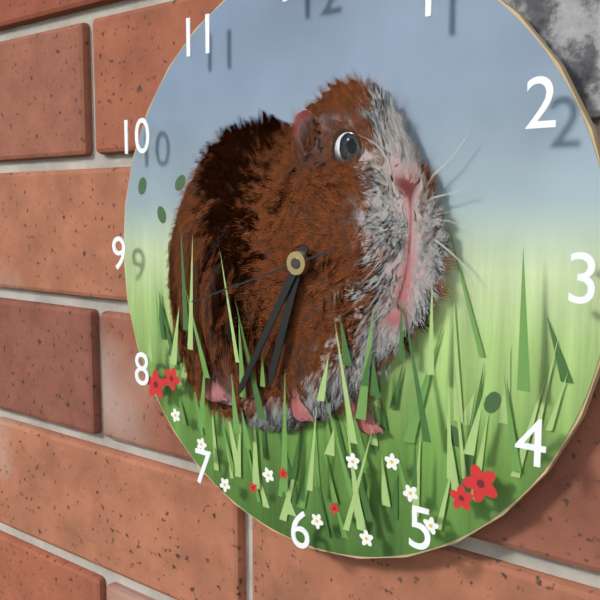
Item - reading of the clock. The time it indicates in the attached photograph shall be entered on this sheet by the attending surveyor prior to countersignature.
6:35:42
